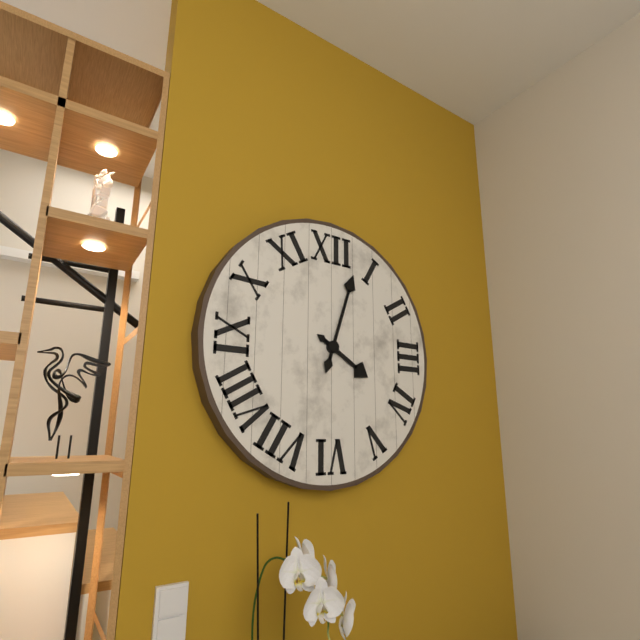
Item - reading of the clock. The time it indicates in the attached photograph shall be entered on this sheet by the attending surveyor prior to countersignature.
4:03
